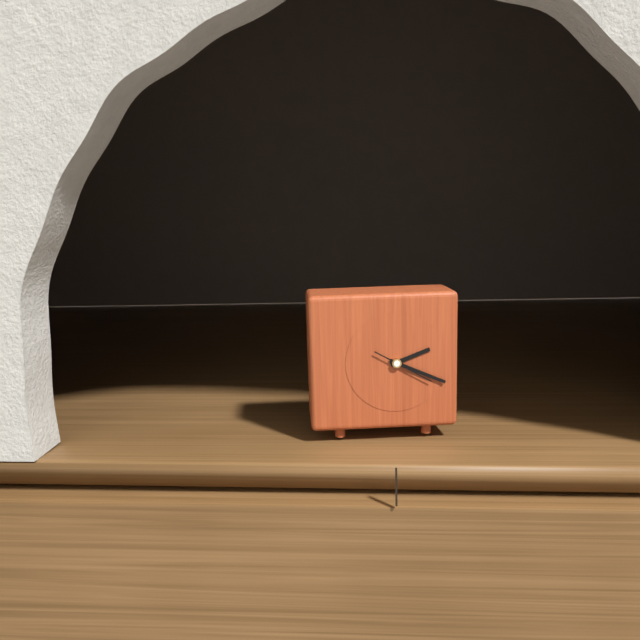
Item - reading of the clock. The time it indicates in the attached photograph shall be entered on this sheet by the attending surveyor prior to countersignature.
2:19
